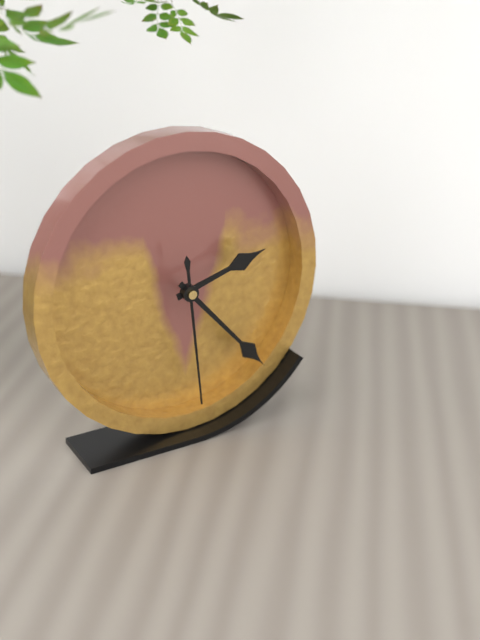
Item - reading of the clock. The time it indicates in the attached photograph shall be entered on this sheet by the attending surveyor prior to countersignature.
2:23:29
